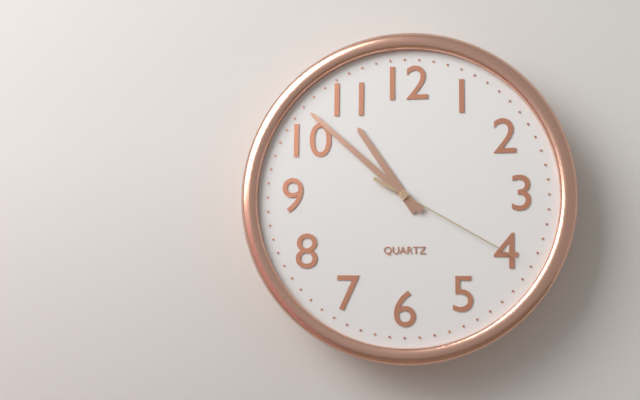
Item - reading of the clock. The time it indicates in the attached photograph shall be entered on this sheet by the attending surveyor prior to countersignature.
10:52:20
